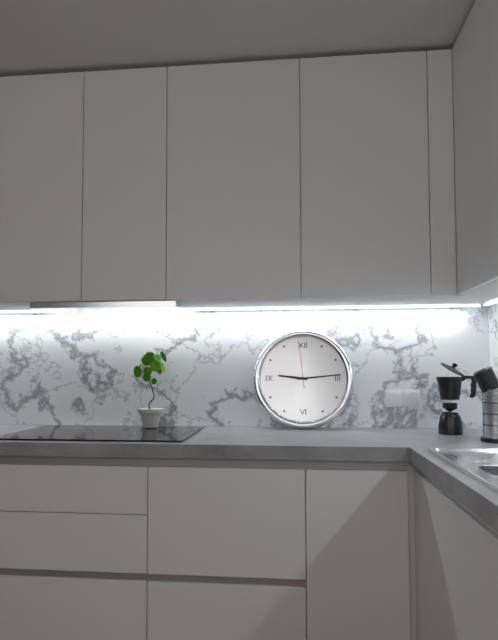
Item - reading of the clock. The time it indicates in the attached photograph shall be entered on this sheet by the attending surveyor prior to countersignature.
9:14
